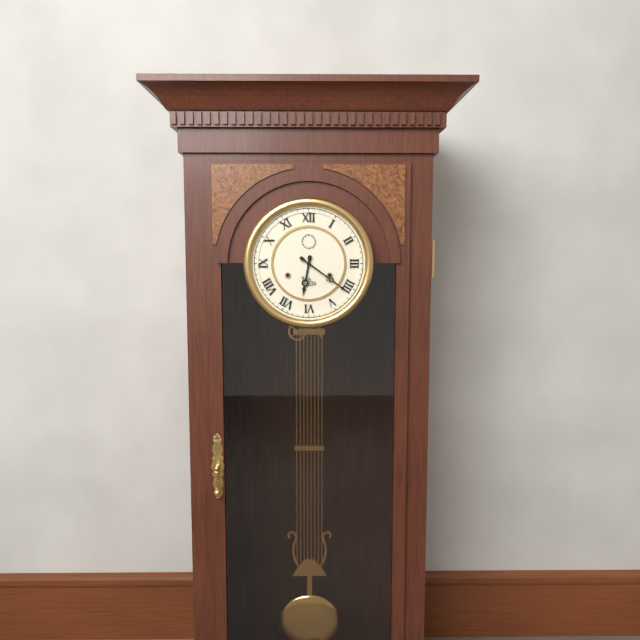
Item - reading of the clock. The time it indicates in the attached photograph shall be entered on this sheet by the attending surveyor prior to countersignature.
6:21
